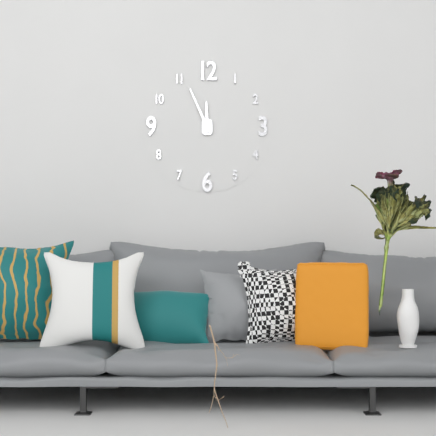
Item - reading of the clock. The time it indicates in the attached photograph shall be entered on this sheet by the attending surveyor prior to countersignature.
11:56
